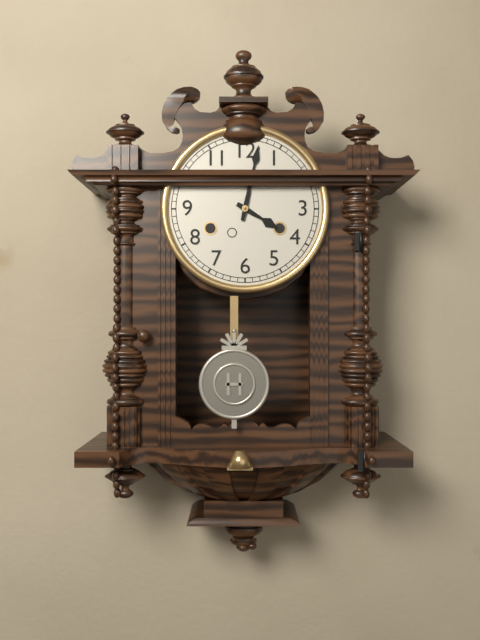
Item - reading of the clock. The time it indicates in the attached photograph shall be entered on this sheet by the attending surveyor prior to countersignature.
4:02
